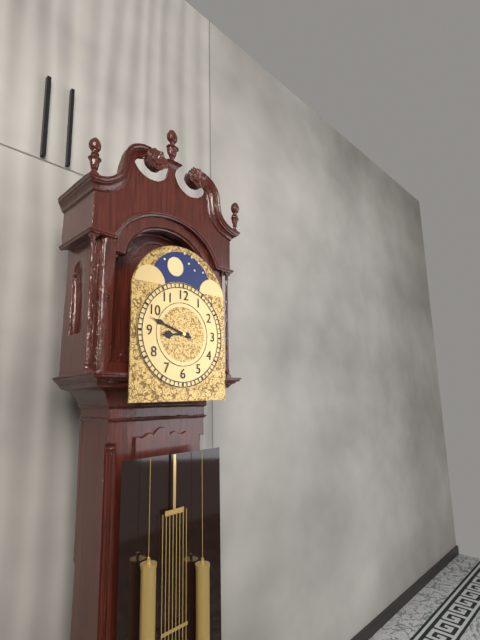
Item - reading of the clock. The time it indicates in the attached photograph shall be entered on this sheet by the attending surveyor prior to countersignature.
8:48
